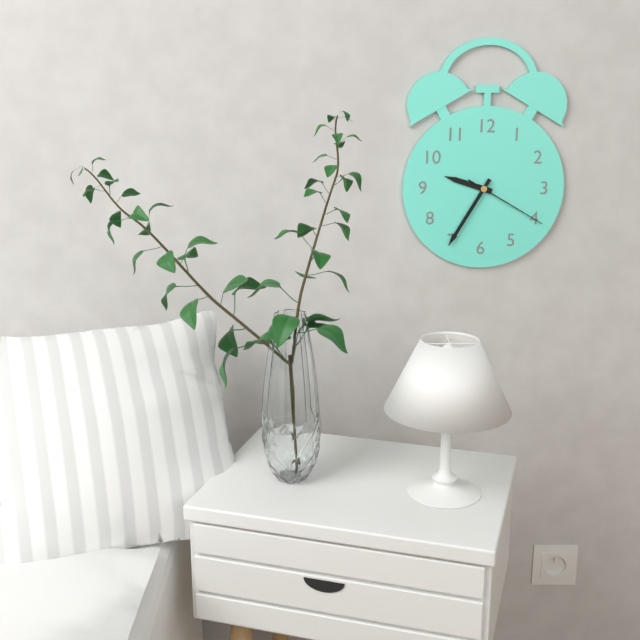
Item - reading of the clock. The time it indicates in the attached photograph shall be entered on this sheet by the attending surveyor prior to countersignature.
9:35:20
